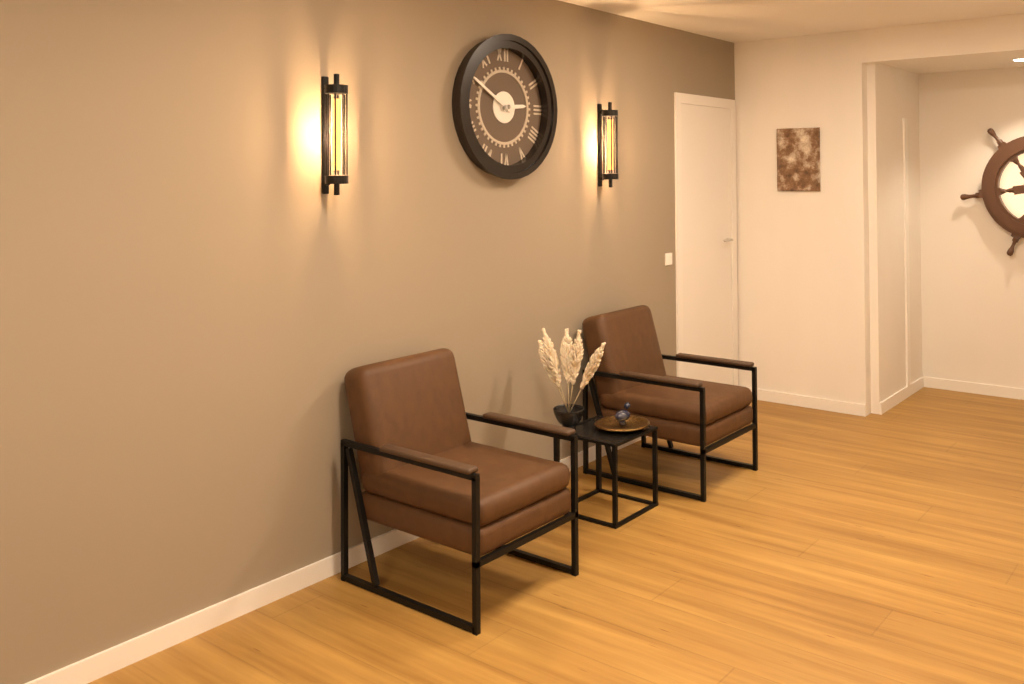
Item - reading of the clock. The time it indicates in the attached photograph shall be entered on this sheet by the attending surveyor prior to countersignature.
2:50
